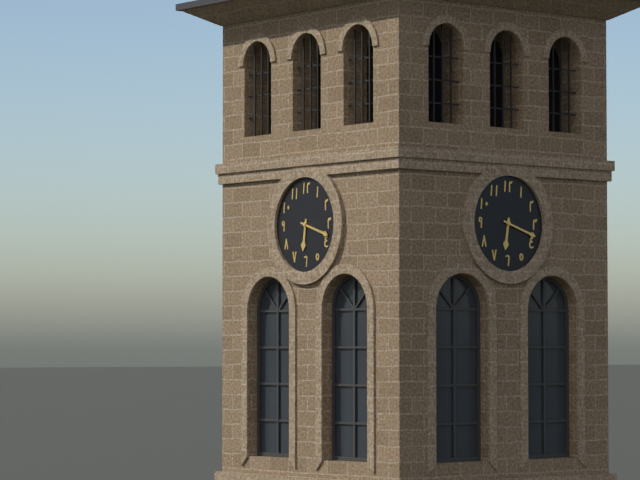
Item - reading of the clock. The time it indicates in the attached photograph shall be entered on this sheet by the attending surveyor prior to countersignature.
6:18
